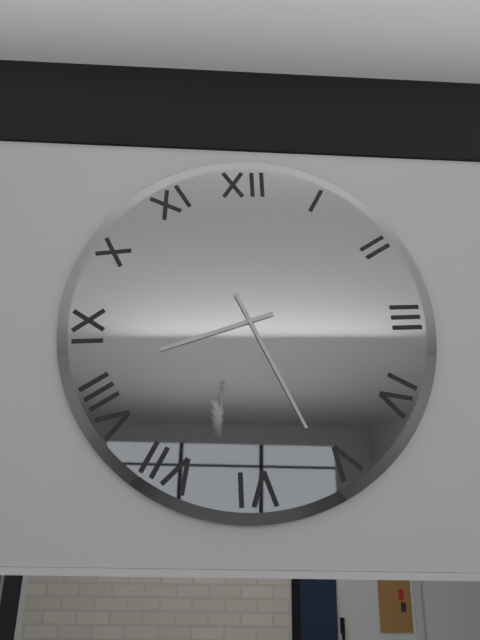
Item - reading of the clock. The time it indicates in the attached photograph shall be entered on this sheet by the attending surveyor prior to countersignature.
8:26
